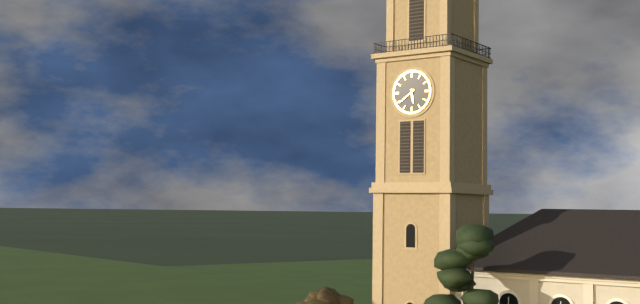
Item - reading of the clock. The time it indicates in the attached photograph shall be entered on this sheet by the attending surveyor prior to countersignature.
5:39
